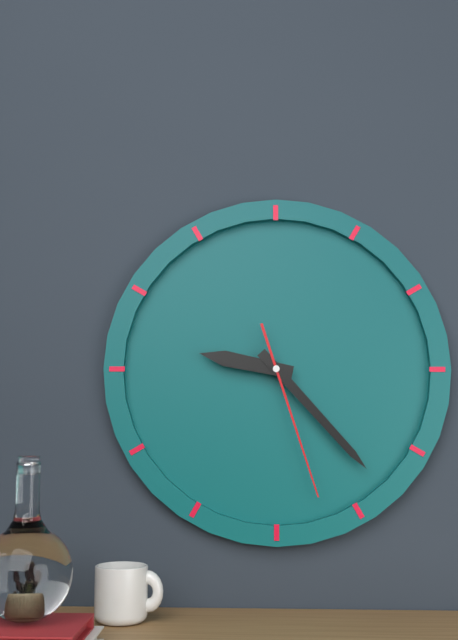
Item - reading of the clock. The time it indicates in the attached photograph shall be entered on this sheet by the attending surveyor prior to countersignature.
9:23:27
